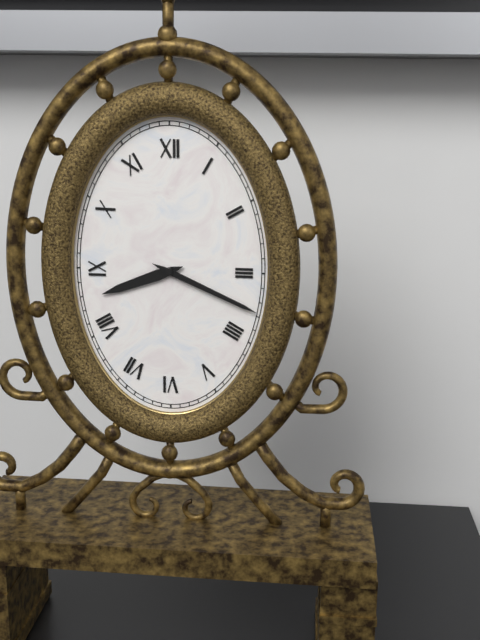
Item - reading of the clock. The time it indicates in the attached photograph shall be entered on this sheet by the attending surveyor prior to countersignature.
8:19
